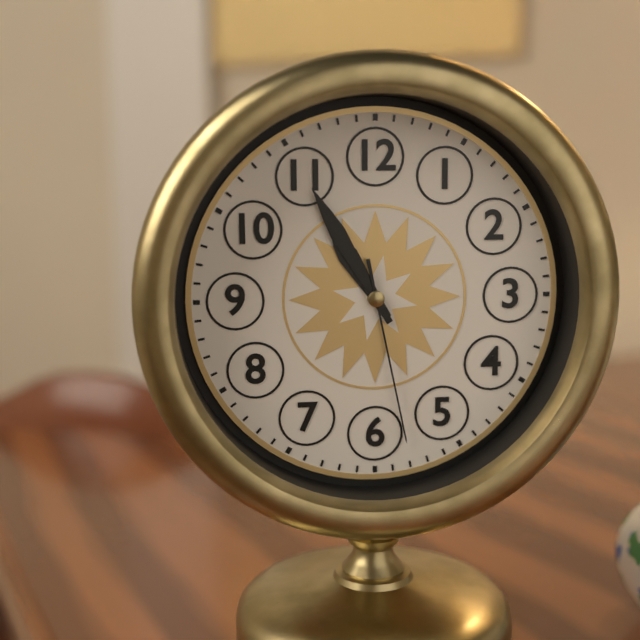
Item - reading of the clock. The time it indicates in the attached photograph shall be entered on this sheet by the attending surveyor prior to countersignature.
10:55:28
